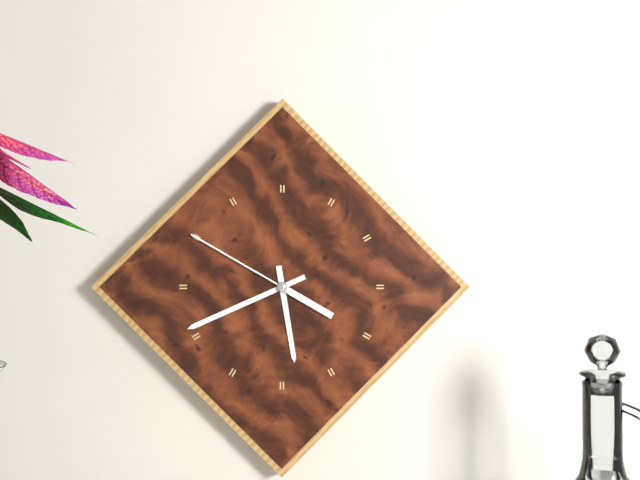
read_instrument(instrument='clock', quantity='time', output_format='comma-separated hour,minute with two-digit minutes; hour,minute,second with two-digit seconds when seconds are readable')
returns 5,41,50
